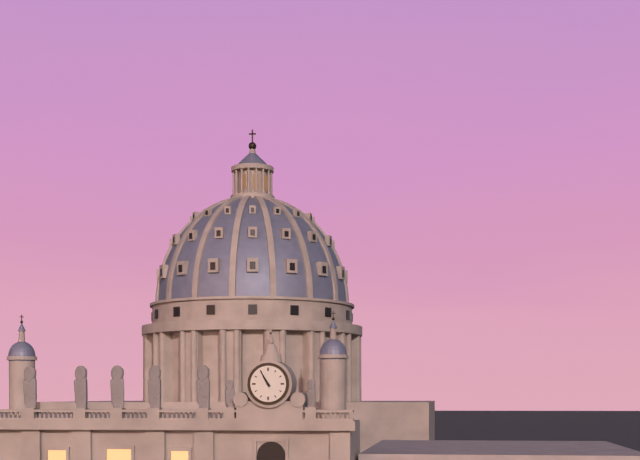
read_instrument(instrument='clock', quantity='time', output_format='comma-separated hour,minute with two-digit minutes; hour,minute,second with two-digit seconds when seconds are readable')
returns 10,55
